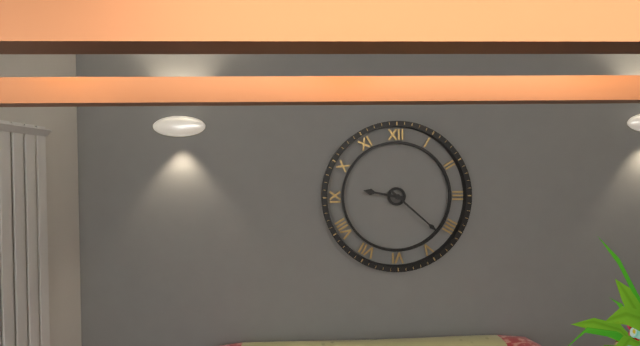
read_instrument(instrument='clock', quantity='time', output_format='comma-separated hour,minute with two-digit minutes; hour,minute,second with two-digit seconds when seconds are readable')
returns 9,22
